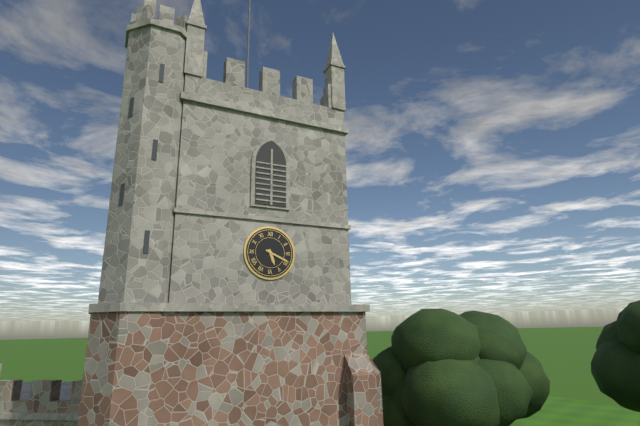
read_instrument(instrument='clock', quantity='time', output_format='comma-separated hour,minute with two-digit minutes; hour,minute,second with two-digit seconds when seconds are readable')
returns 5,19
